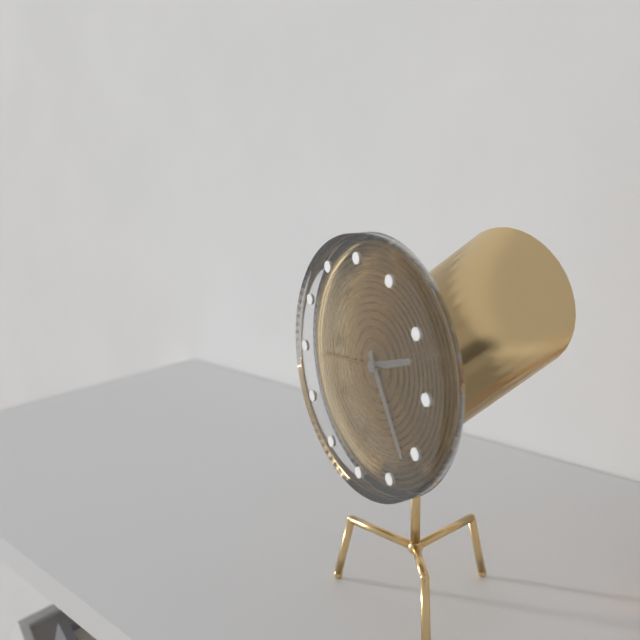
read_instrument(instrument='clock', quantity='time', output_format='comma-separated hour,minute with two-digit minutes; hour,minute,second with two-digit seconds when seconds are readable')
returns 2,25,44
